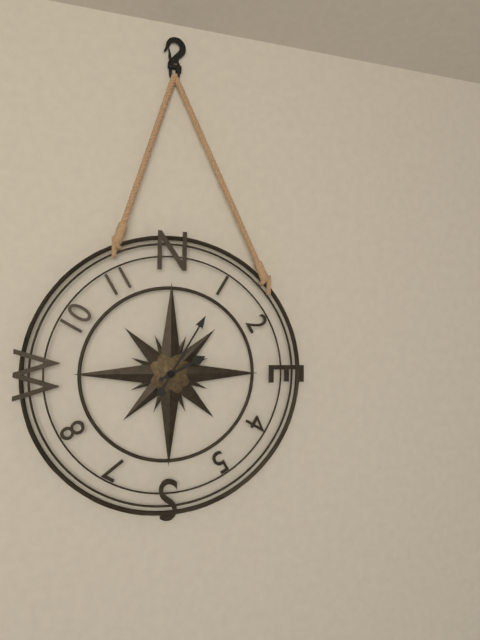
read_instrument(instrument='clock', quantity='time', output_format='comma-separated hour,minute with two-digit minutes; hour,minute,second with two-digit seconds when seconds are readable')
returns 2,05
